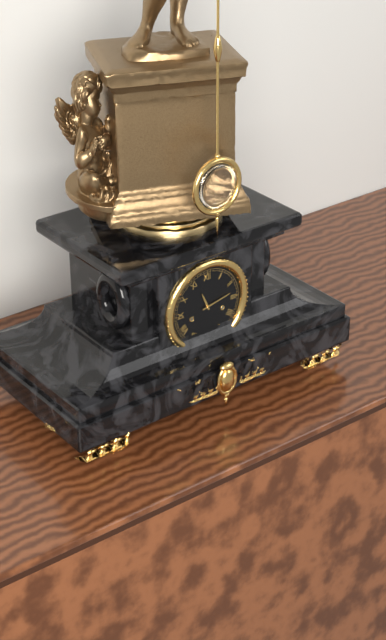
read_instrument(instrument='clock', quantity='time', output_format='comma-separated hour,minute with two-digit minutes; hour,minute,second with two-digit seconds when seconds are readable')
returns 11,13
